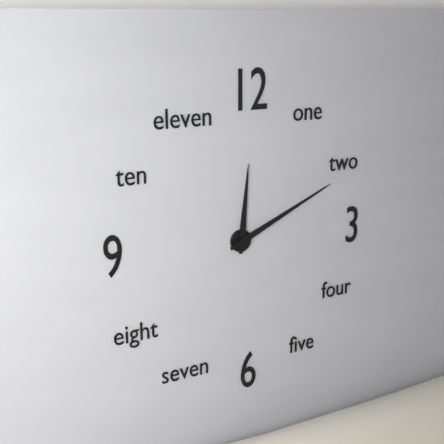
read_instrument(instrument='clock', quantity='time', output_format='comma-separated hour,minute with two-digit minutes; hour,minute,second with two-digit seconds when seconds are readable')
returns 12,11
